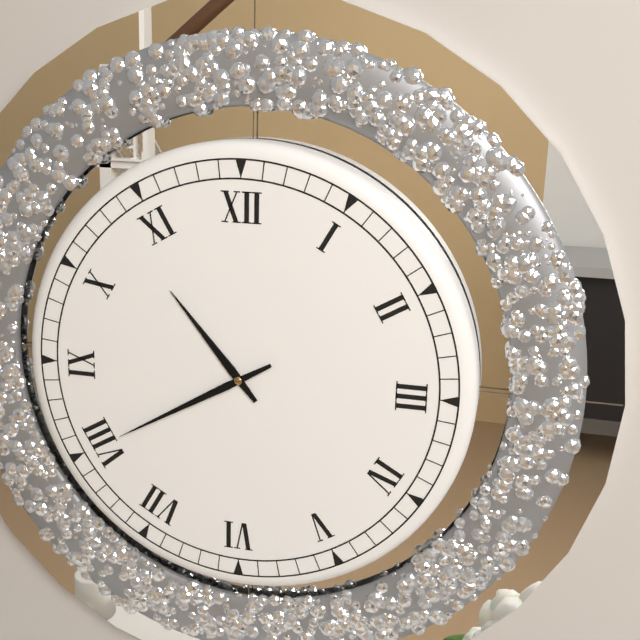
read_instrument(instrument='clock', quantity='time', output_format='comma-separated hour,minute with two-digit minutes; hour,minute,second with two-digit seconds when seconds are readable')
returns 10,40
